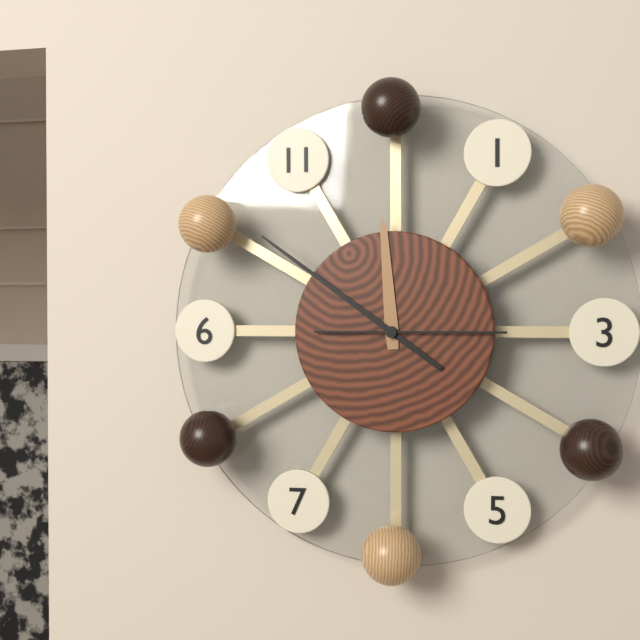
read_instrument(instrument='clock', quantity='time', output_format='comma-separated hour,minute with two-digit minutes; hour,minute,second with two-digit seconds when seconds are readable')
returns 11,51,15
